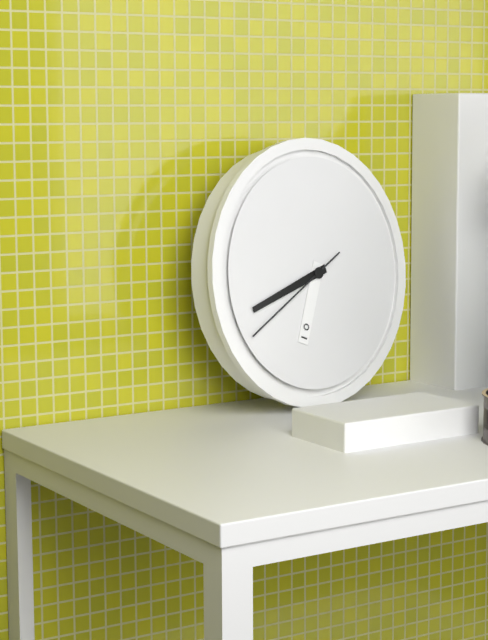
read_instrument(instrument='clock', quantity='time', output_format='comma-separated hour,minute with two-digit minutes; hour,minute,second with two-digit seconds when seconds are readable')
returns 6,42,40
